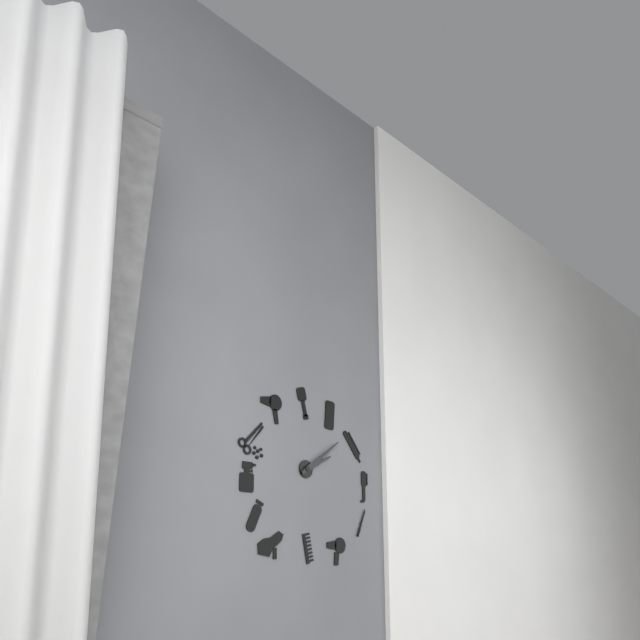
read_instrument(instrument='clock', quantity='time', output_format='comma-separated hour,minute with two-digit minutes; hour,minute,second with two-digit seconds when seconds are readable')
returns 2,09
